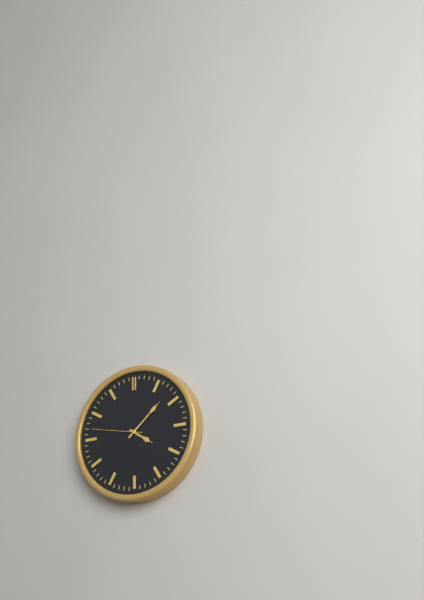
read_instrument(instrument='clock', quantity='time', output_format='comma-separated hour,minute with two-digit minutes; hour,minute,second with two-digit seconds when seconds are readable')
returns 4,08,47
